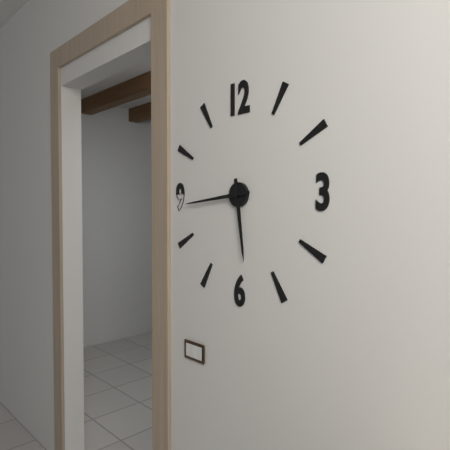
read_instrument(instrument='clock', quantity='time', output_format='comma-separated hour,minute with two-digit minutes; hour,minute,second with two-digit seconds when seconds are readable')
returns 5,44
